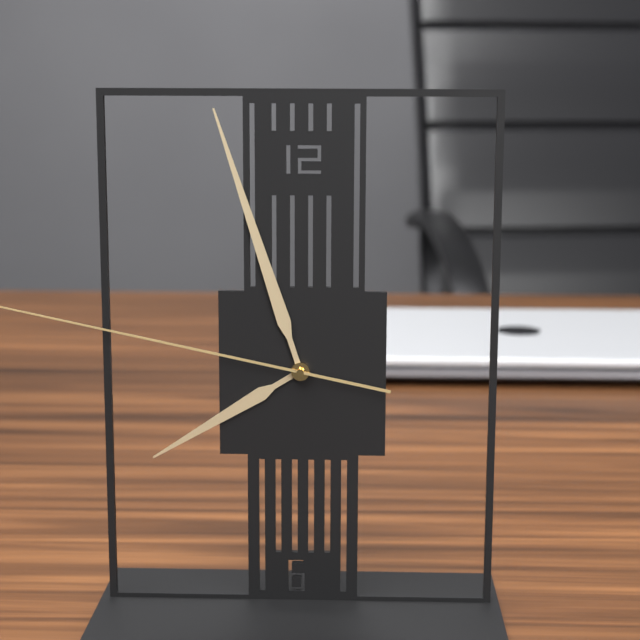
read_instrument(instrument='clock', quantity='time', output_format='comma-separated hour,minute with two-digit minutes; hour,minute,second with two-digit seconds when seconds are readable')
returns 7,57
